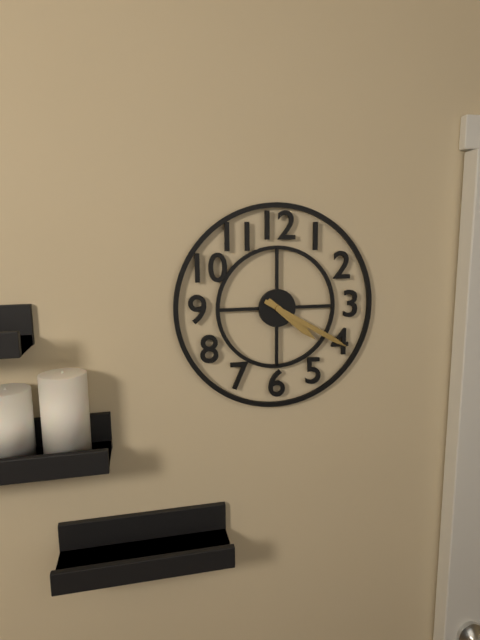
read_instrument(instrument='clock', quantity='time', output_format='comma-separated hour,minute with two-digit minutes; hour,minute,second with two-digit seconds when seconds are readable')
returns 4,20
